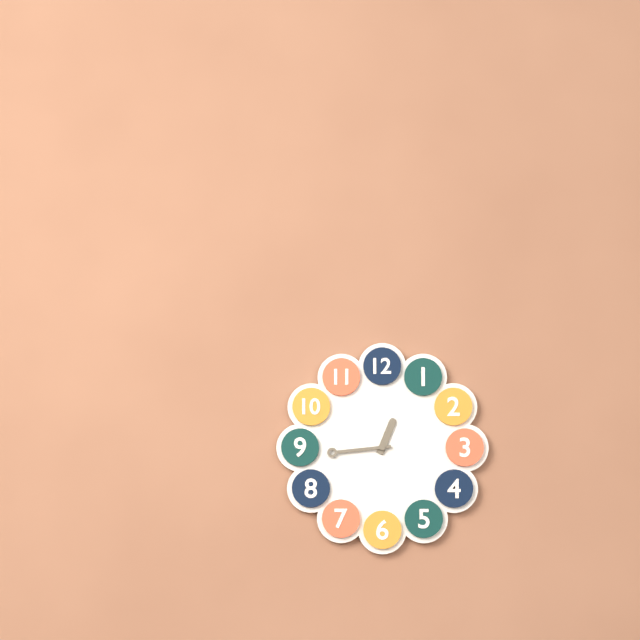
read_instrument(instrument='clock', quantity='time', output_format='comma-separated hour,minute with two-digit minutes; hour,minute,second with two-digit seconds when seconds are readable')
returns 12,44
